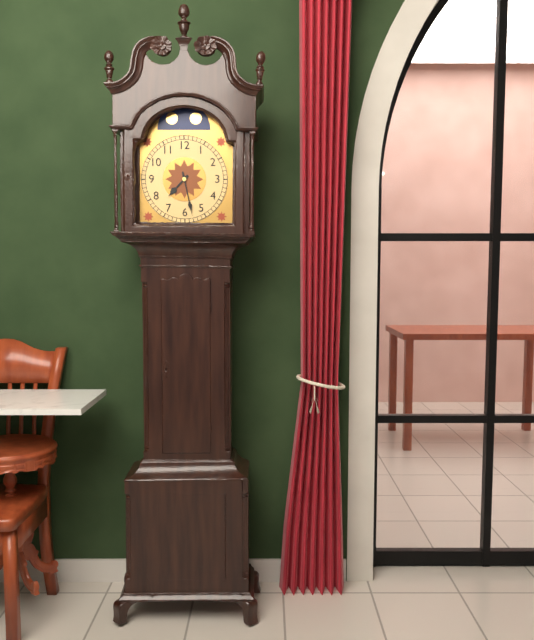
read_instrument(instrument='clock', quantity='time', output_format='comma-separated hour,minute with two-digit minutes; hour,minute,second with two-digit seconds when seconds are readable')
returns 7,28
